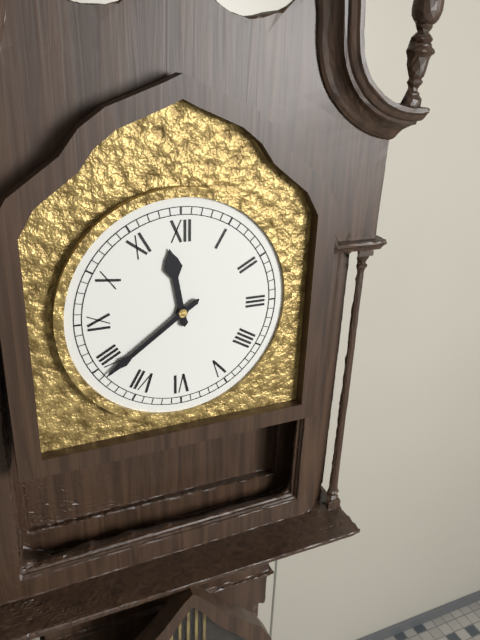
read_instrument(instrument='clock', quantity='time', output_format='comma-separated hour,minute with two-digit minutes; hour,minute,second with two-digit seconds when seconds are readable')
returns 11,39
